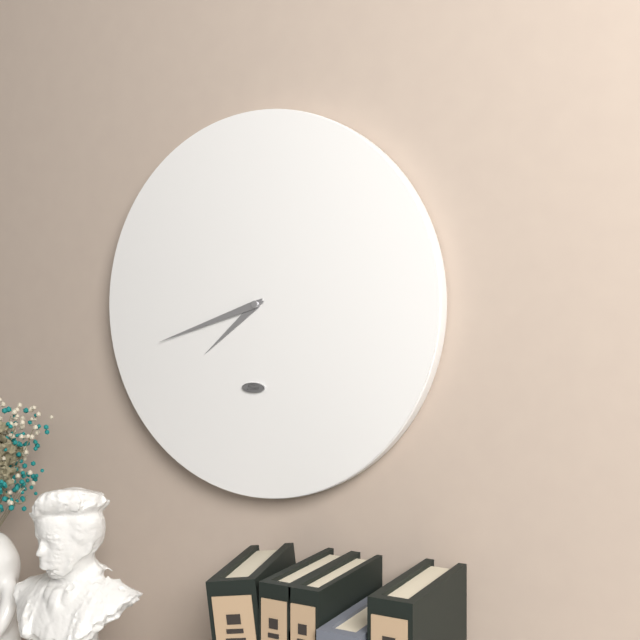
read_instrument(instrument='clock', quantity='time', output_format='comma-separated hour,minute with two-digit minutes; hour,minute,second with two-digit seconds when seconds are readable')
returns 7,42
